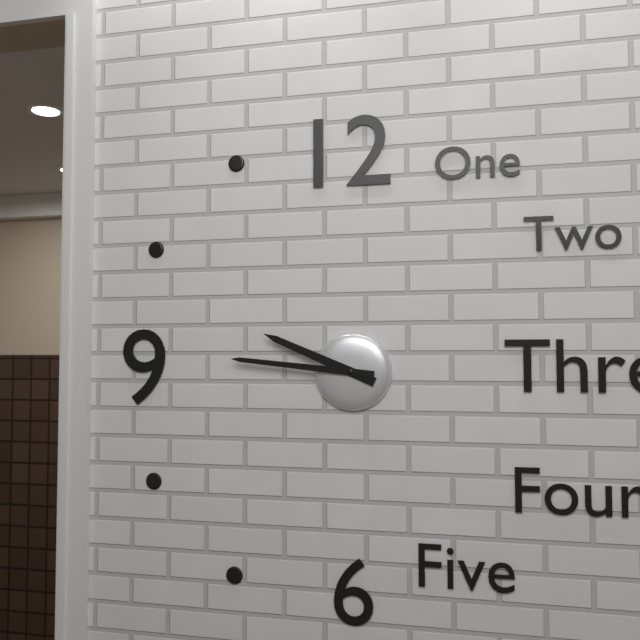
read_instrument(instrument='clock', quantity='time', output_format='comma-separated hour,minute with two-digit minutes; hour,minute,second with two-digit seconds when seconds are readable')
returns 9,46
